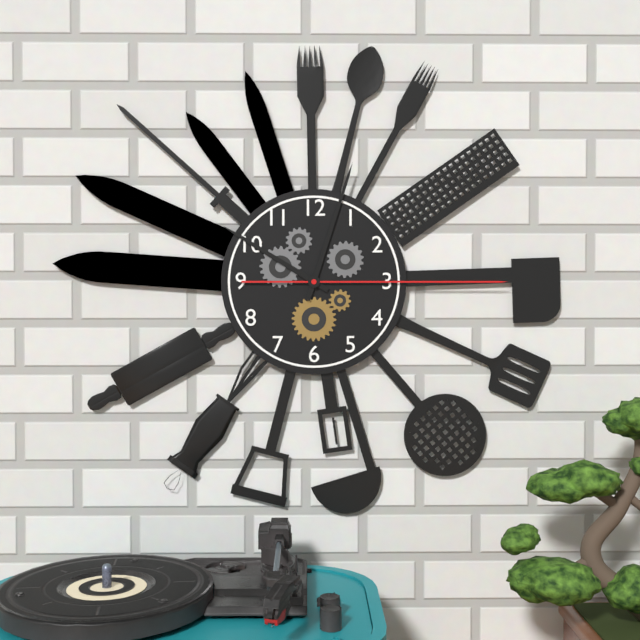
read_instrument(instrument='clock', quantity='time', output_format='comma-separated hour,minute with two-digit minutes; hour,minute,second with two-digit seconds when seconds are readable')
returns 10,03,15
